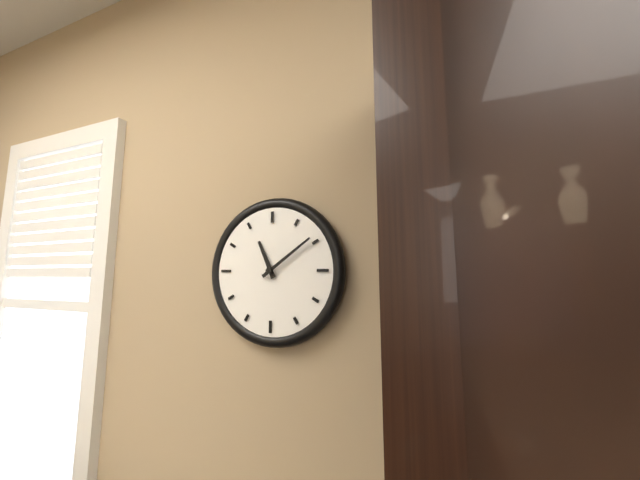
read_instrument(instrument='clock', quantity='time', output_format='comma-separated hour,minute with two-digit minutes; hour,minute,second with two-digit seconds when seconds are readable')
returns 11,09
